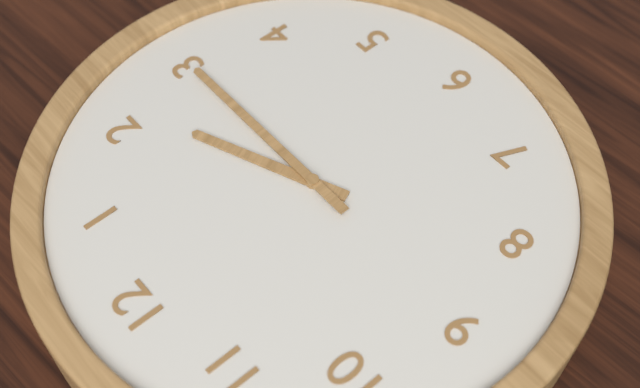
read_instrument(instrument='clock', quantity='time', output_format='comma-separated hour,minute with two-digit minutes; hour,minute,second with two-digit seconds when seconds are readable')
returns 2,15
